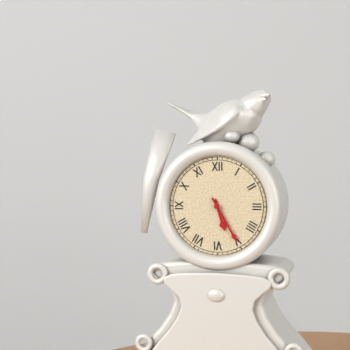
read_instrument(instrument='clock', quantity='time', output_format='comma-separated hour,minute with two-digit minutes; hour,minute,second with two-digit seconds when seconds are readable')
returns 5,25
